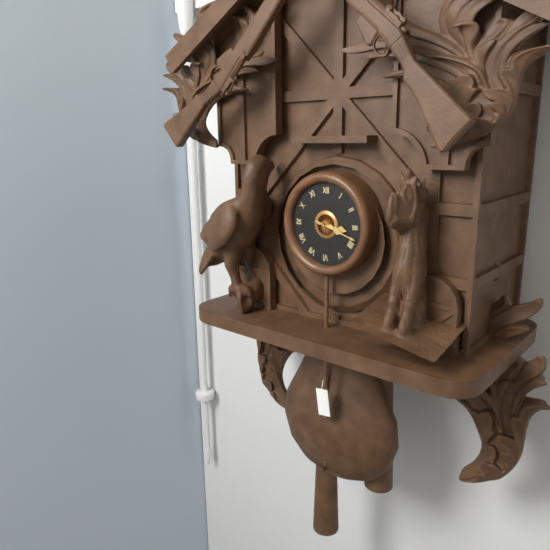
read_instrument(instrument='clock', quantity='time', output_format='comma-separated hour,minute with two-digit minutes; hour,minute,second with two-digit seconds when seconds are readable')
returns 3,18
